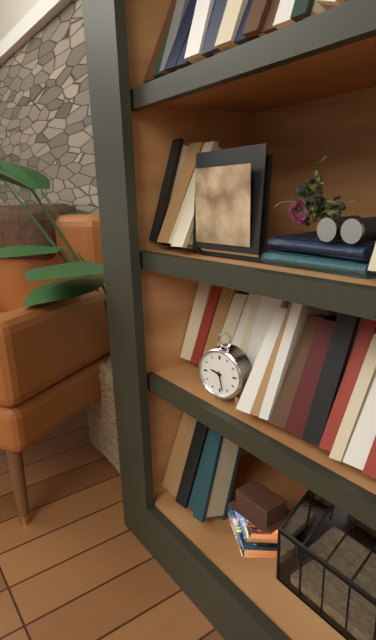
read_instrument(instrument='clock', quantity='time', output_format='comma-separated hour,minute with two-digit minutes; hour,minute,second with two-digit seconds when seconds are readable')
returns 9,28
